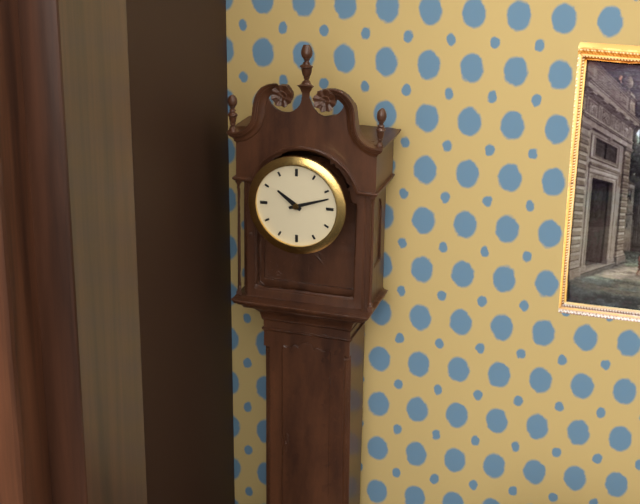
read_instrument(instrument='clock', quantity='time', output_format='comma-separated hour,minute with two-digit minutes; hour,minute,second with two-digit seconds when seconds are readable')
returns 10,12
